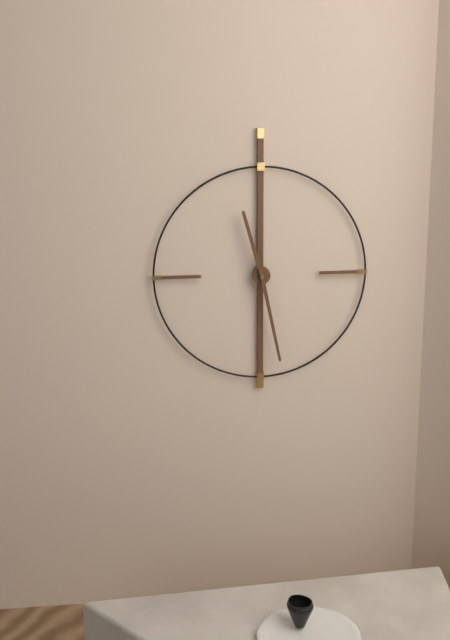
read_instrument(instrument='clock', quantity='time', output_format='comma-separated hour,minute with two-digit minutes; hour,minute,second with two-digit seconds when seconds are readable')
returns 11,28
